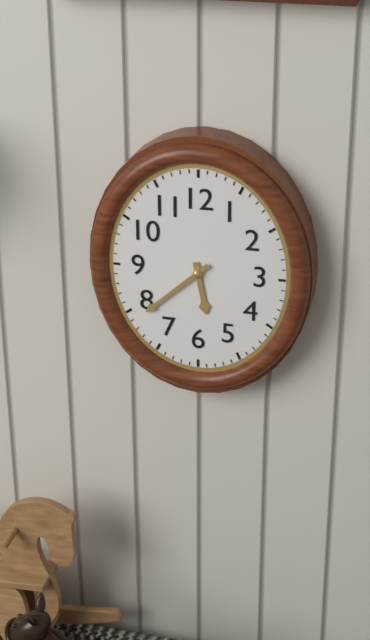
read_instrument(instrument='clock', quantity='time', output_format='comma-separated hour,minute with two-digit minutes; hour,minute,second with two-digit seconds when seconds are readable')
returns 5,38
